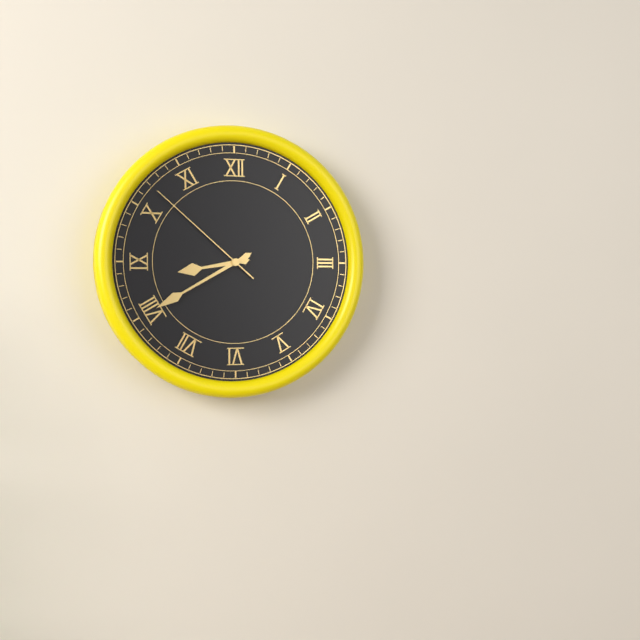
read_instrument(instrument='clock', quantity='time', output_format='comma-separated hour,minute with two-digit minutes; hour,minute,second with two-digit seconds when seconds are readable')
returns 8,40,52
